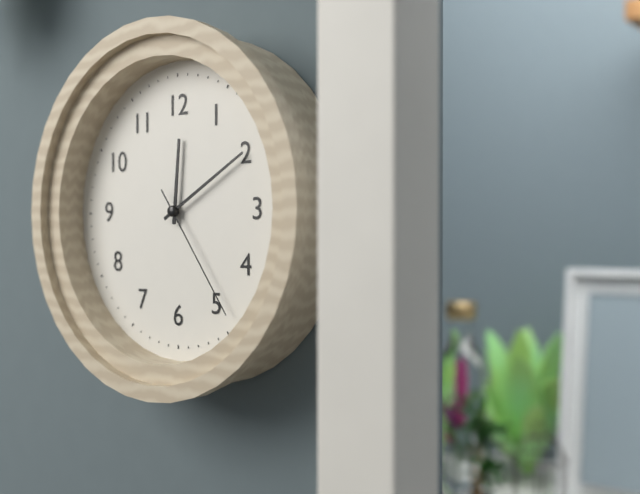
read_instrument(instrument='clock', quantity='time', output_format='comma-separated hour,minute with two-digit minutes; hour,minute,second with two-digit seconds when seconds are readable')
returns 12,10,24
